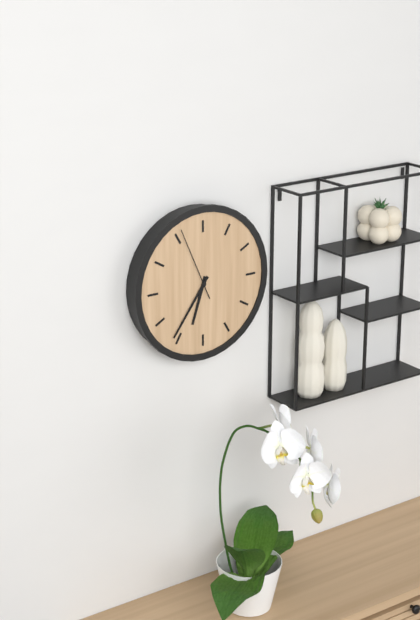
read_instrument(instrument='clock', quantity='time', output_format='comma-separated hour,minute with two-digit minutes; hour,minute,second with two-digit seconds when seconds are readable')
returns 6,36,56
